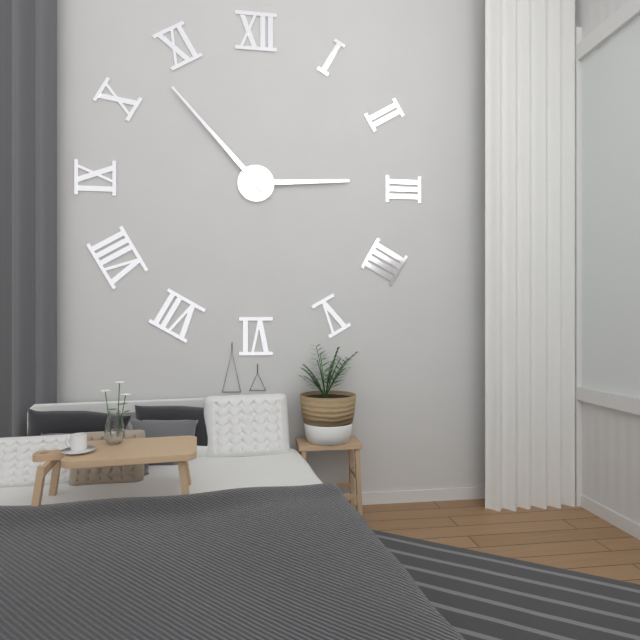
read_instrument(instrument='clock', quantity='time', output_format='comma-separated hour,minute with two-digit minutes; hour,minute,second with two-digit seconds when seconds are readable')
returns 2,53
